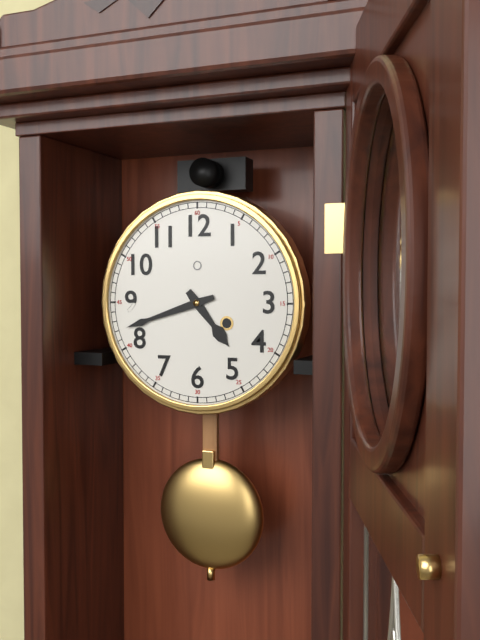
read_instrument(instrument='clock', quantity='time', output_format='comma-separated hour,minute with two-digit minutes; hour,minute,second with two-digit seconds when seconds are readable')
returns 4,42
